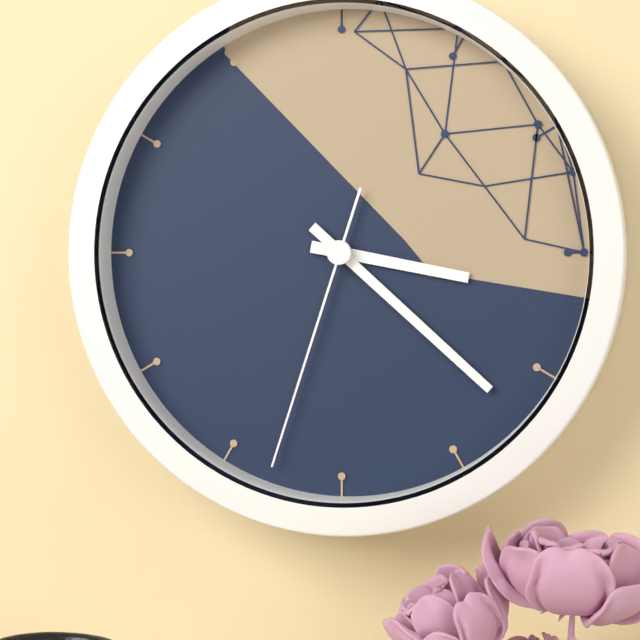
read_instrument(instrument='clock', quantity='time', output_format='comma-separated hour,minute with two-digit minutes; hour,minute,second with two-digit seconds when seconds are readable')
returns 3,22,33
